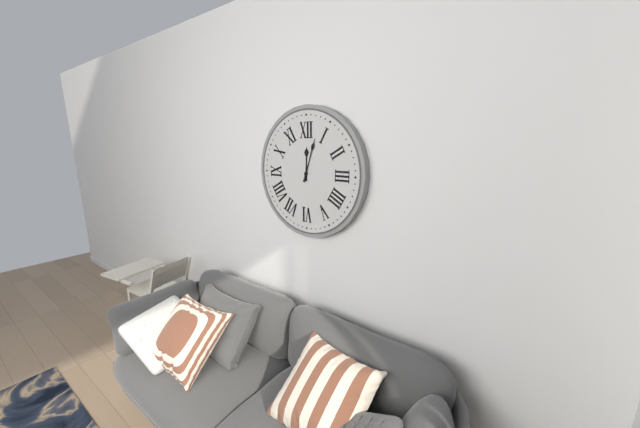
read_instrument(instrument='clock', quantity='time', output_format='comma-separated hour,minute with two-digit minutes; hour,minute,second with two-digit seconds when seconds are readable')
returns 12,03
